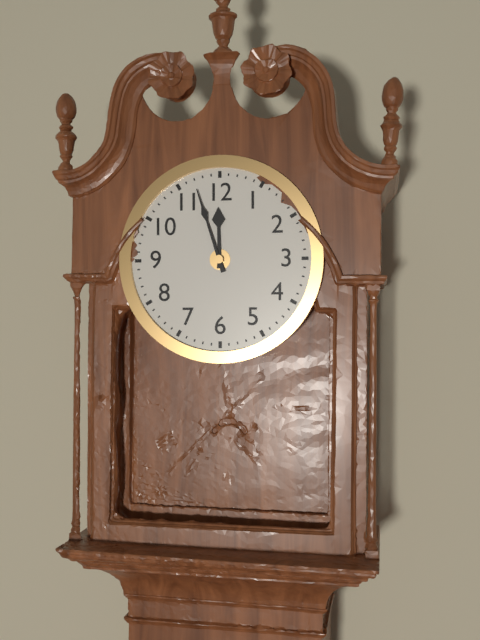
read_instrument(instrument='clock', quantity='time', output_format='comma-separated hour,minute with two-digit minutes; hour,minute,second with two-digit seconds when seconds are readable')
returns 11,57
